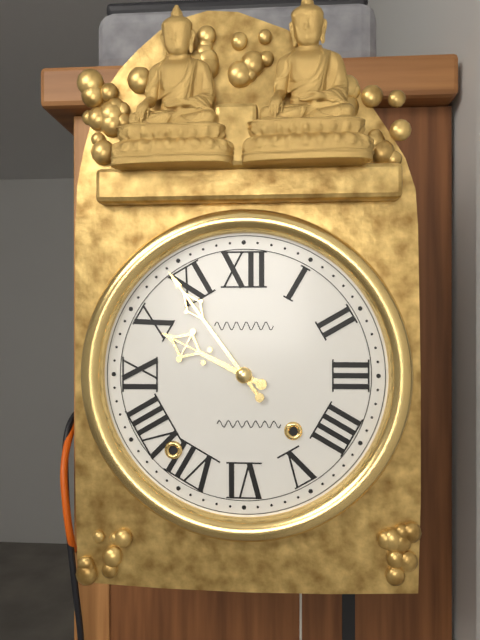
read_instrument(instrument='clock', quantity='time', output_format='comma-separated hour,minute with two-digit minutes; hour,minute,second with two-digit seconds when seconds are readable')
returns 9,54
